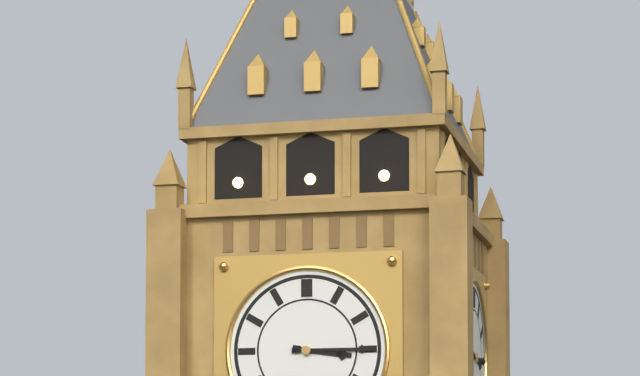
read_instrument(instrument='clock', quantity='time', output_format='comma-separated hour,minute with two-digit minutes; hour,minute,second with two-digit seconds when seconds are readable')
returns 3,15
